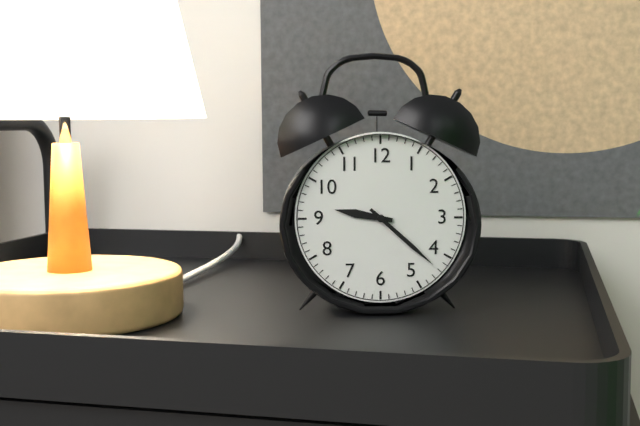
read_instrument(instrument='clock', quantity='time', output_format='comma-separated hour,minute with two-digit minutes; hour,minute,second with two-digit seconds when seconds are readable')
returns 9,22
